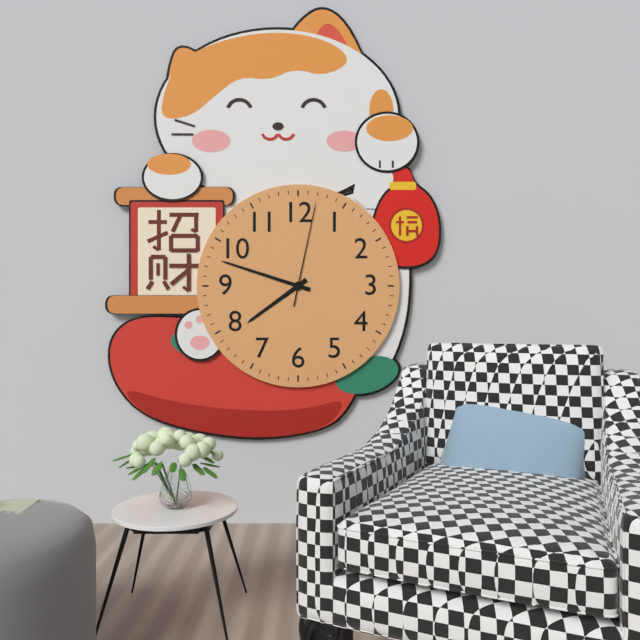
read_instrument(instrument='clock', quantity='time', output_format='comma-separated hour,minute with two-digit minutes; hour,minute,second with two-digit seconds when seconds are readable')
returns 7,48,02
